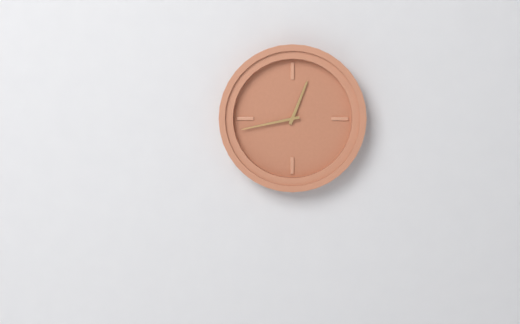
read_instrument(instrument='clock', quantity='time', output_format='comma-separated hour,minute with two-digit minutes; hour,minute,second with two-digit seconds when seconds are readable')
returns 12,43
